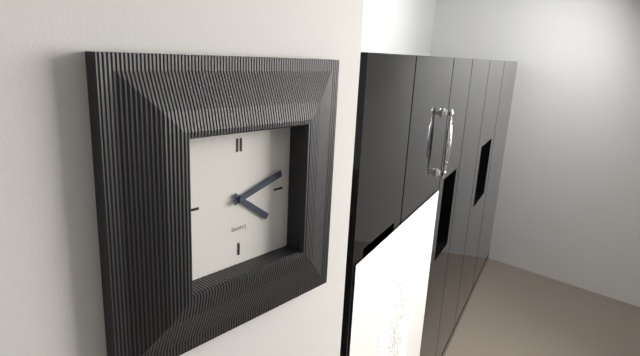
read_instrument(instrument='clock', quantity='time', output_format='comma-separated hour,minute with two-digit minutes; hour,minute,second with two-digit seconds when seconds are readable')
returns 4,12
